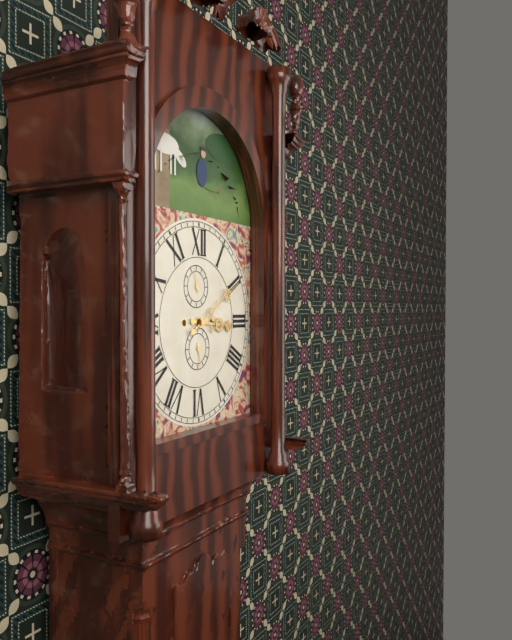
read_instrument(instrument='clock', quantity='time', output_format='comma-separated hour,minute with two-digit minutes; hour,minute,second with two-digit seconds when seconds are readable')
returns 3,10
